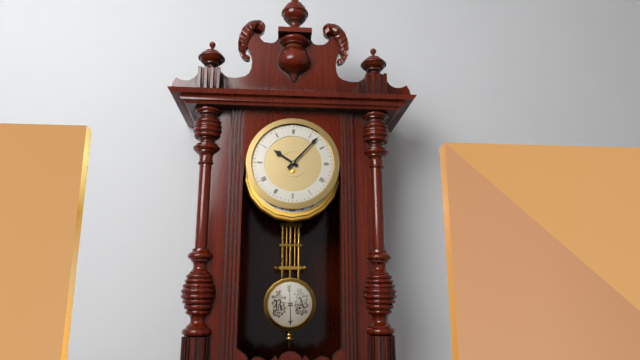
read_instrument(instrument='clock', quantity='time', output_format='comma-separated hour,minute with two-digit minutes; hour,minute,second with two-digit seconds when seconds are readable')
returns 10,07
